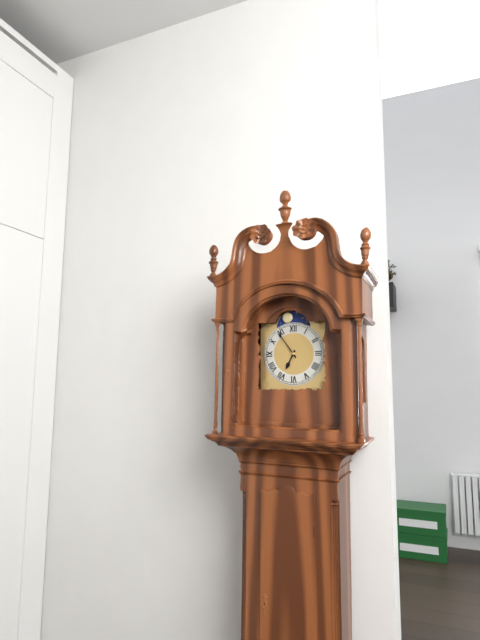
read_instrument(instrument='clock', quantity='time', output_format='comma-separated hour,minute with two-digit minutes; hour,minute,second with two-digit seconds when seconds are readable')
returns 6,54
